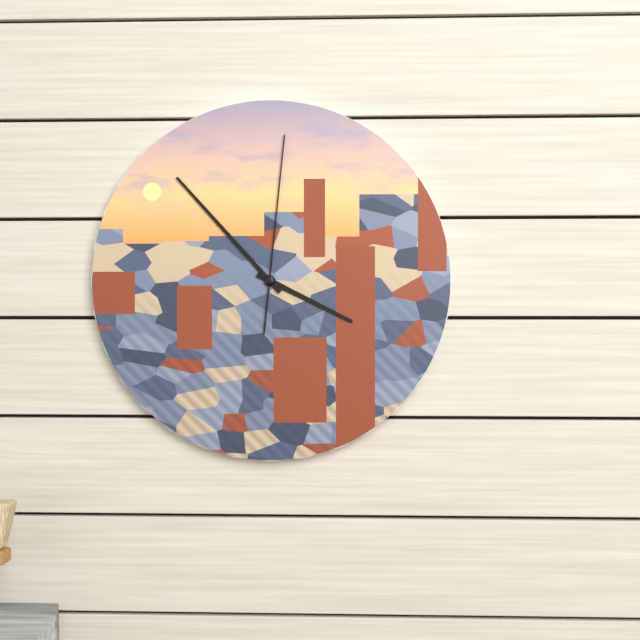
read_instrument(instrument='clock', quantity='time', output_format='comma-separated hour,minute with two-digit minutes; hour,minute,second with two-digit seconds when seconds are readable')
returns 3,53,01
